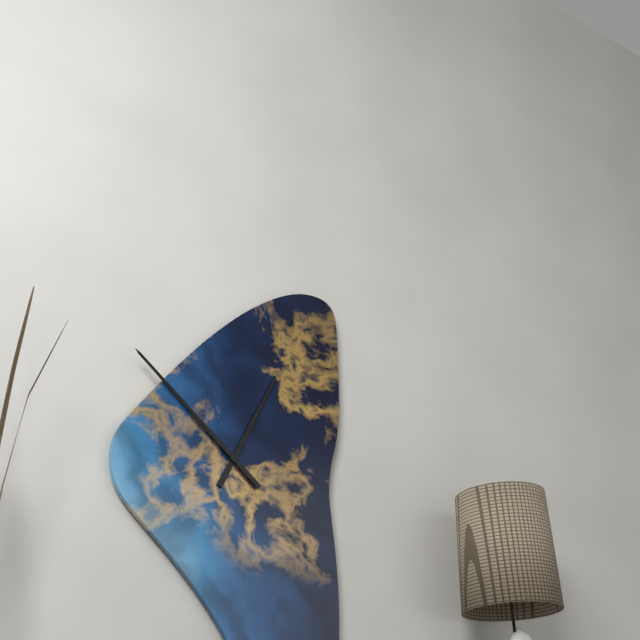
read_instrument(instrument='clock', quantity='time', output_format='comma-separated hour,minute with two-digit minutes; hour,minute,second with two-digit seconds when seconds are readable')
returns 12,52
